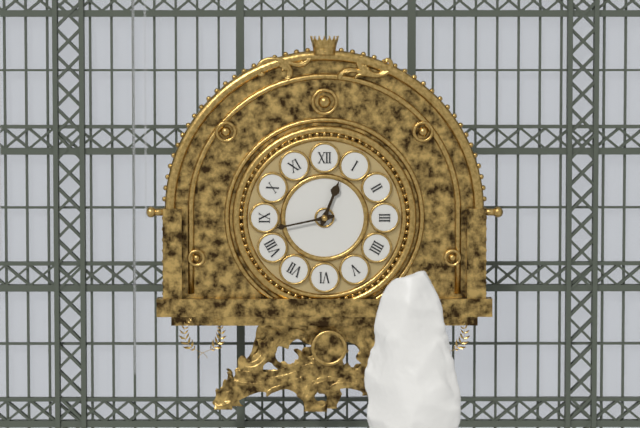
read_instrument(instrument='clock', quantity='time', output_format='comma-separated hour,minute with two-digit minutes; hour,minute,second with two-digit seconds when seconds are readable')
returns 12,43
